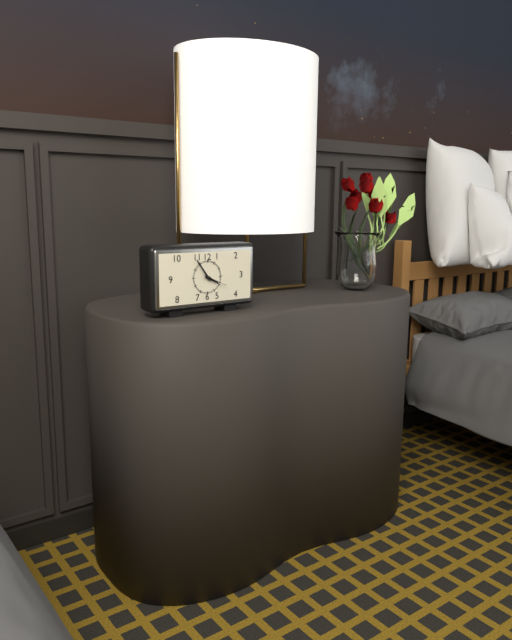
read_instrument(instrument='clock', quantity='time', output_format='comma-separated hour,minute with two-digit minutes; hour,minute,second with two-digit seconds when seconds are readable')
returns 3,54
